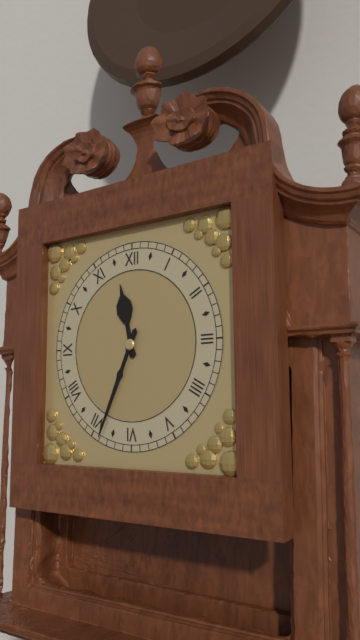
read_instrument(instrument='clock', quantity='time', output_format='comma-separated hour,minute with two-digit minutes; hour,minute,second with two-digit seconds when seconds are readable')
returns 11,34
